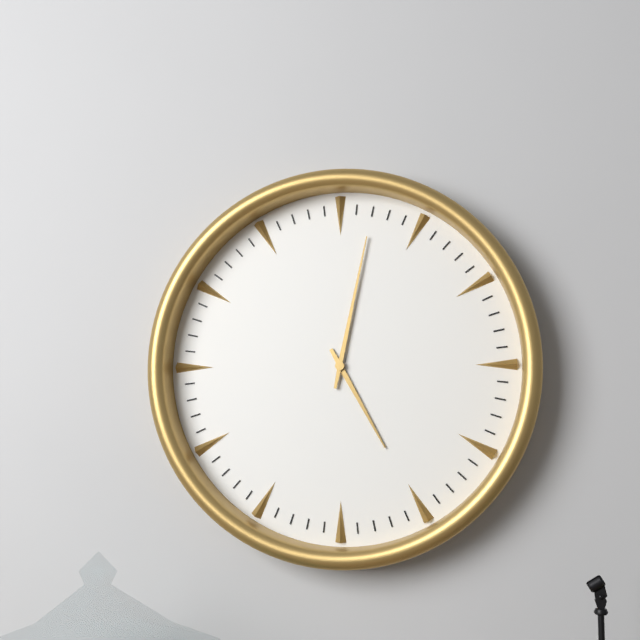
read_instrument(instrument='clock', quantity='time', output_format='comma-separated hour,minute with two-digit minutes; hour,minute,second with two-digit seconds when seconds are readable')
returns 5,02
